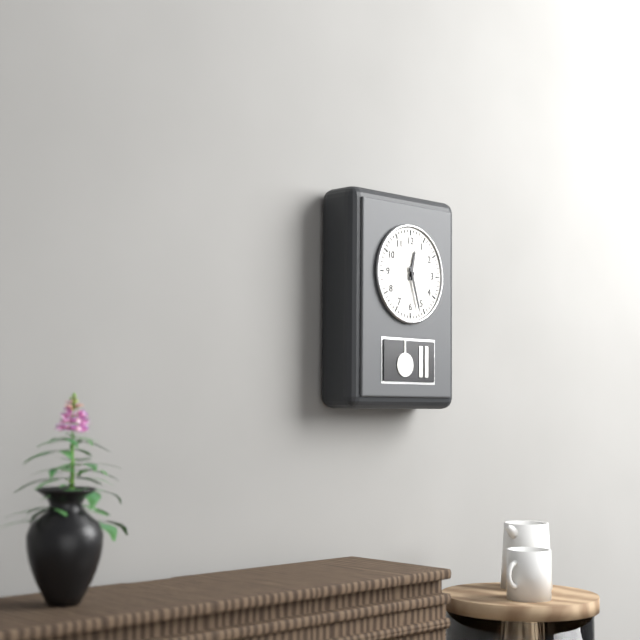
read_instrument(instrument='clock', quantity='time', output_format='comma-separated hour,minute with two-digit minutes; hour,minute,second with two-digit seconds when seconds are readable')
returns 12,27
